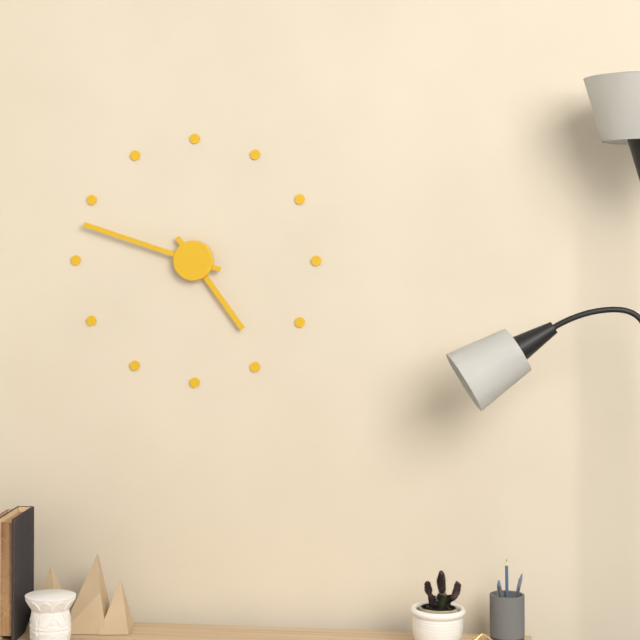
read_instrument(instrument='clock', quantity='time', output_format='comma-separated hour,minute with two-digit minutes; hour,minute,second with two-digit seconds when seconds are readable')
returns 4,48
